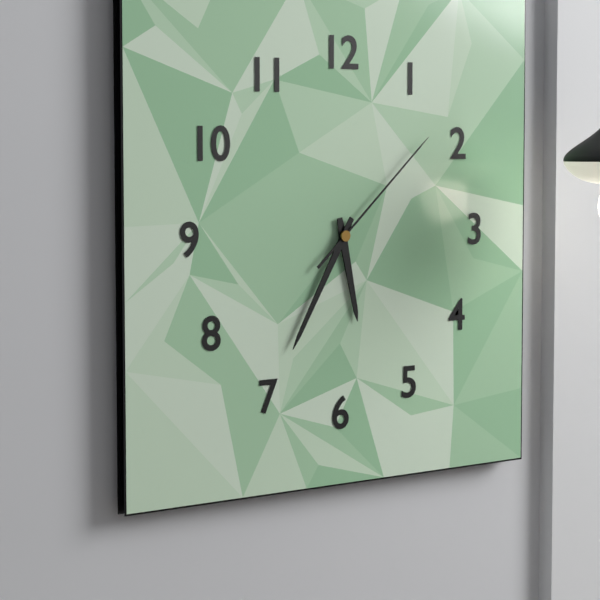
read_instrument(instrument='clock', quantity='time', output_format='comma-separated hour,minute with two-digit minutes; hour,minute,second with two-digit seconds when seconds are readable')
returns 5,35,08
